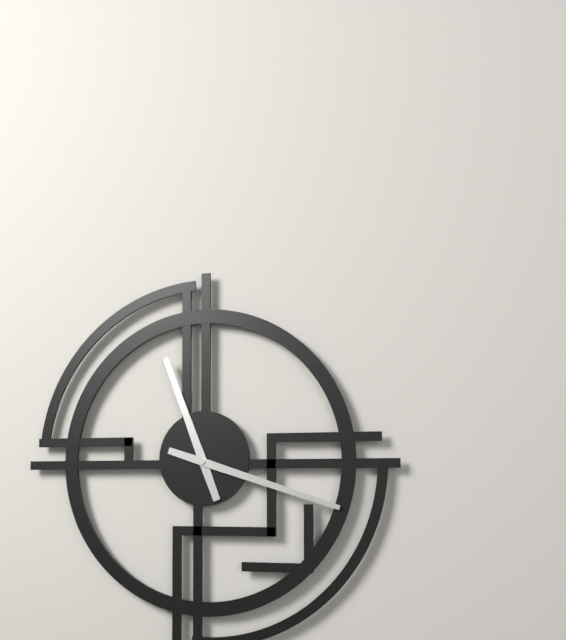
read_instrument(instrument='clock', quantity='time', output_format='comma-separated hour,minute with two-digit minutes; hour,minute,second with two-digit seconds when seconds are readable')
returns 11,18
